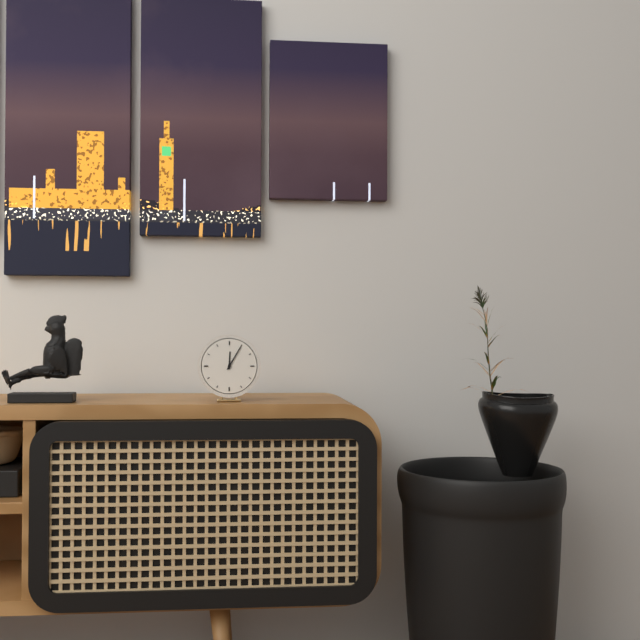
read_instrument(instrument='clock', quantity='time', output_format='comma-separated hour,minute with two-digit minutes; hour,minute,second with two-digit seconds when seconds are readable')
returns 12,05
